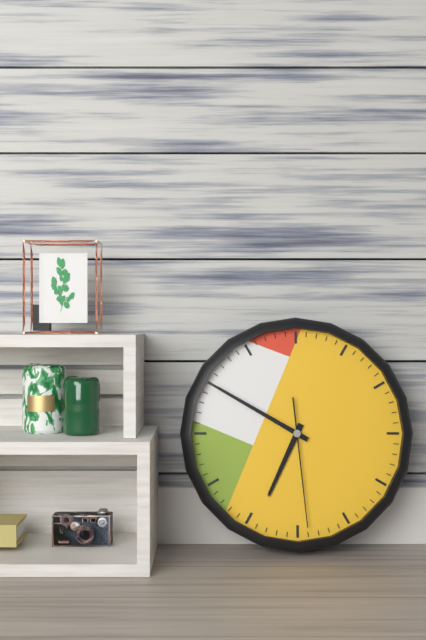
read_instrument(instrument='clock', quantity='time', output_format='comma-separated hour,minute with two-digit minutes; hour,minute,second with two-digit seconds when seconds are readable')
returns 6,50,29
